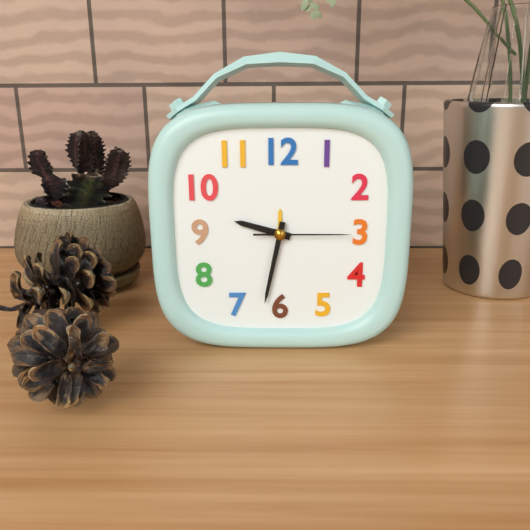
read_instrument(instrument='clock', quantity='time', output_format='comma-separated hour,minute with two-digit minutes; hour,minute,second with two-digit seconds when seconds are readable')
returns 9,32,15
